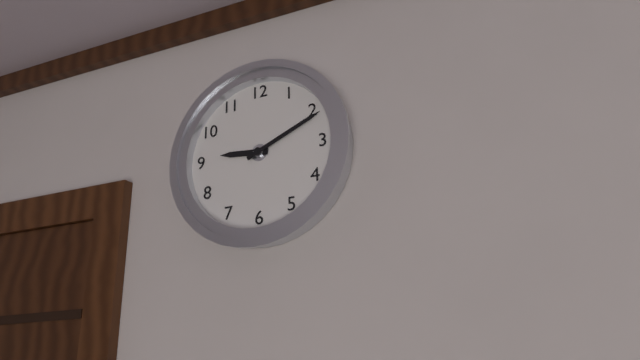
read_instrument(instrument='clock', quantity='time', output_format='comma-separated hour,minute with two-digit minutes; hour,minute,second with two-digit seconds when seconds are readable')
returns 9,11
